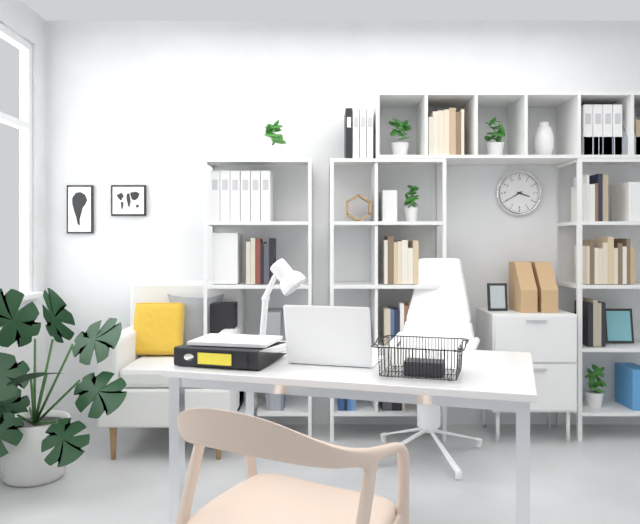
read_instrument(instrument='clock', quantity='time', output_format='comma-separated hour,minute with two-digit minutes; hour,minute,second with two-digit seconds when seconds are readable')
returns 3,40
